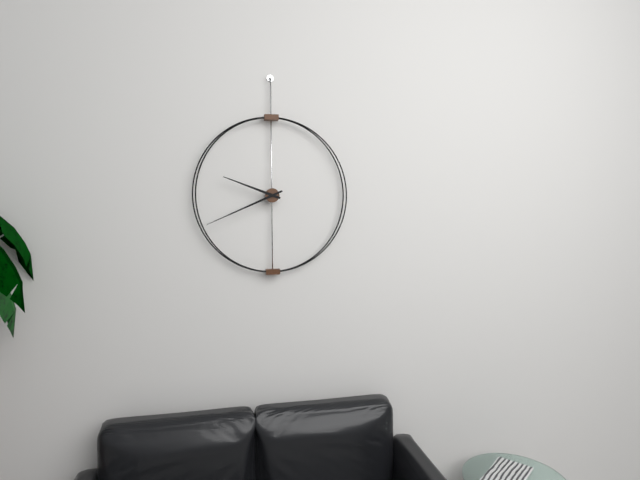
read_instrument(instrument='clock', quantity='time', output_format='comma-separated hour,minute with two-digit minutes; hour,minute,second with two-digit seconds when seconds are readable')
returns 9,41
